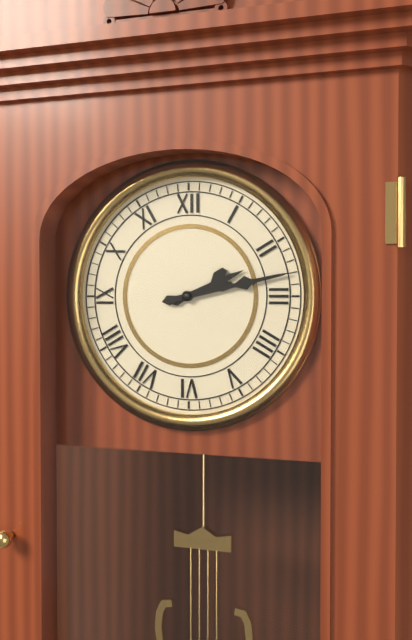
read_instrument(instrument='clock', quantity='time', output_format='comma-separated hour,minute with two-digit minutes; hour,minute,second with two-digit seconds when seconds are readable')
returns 2,13
